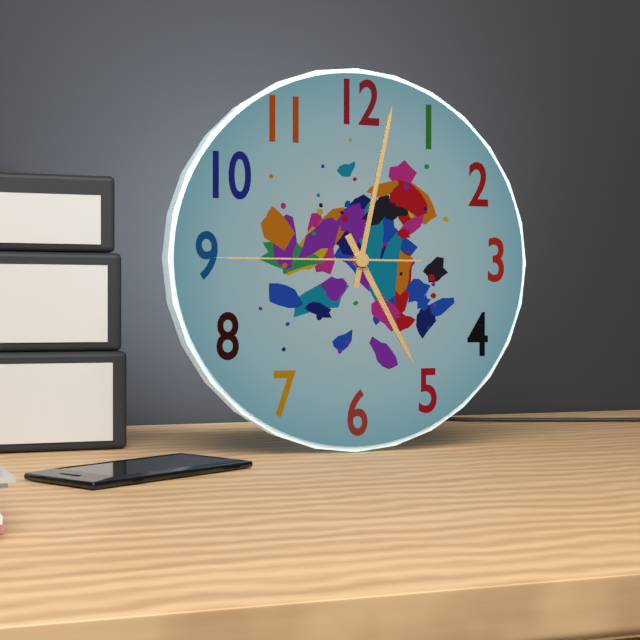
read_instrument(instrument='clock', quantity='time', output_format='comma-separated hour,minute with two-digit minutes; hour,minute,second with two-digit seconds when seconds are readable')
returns 5,02,45
